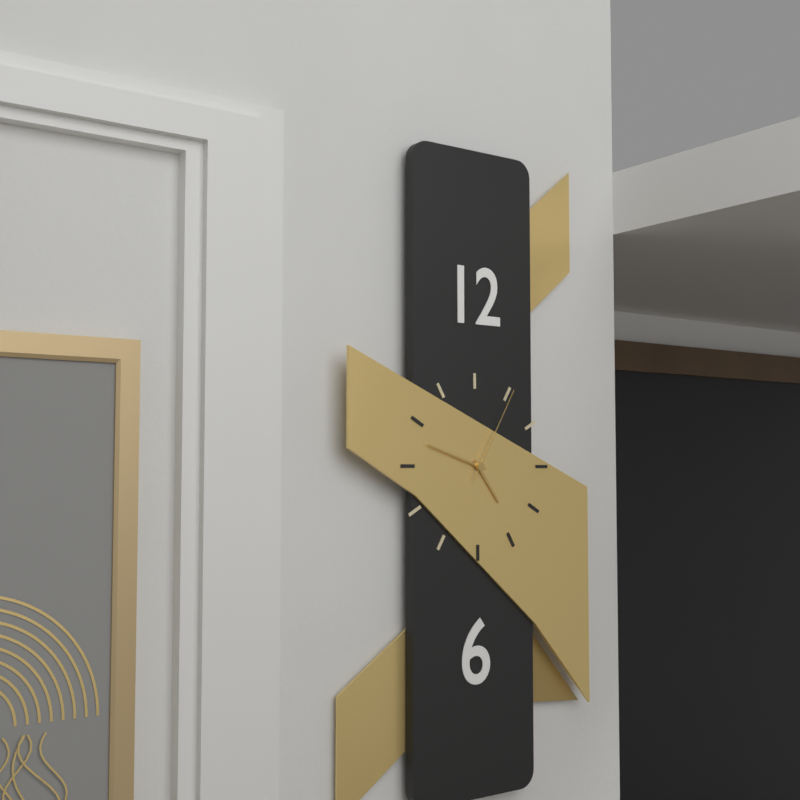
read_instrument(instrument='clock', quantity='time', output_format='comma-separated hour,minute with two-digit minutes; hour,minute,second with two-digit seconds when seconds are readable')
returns 4,48,05
